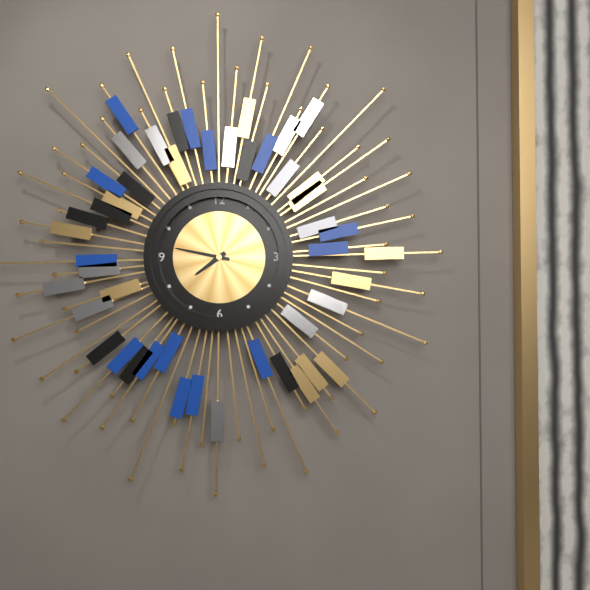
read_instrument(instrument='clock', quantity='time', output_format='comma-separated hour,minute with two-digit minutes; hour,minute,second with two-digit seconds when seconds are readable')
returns 7,47
